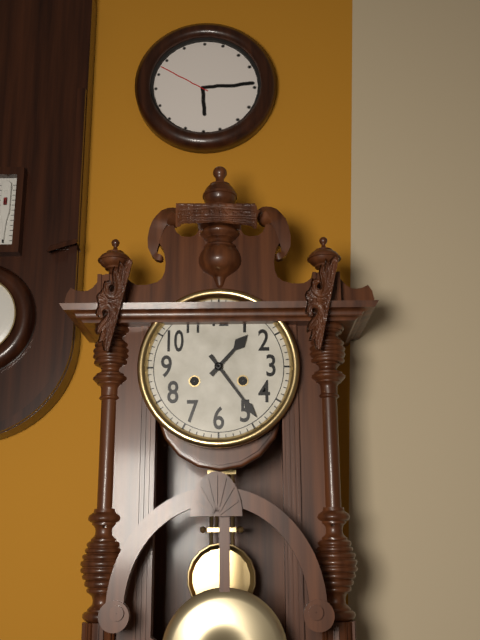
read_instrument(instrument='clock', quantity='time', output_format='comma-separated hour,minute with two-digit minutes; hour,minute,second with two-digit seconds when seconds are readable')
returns 1,24
